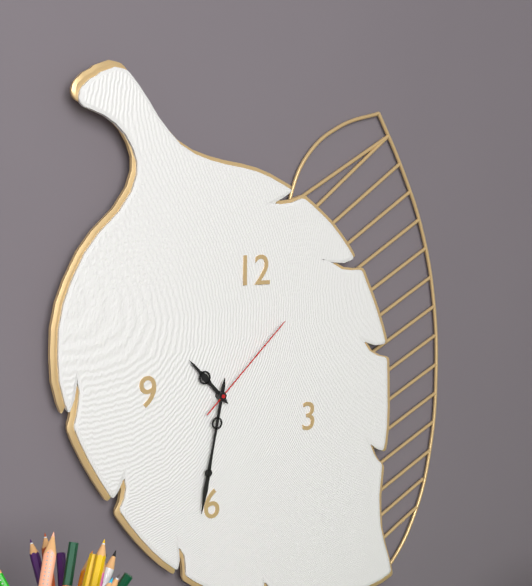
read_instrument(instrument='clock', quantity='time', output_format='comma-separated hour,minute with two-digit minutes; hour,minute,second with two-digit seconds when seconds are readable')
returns 10,32,08
